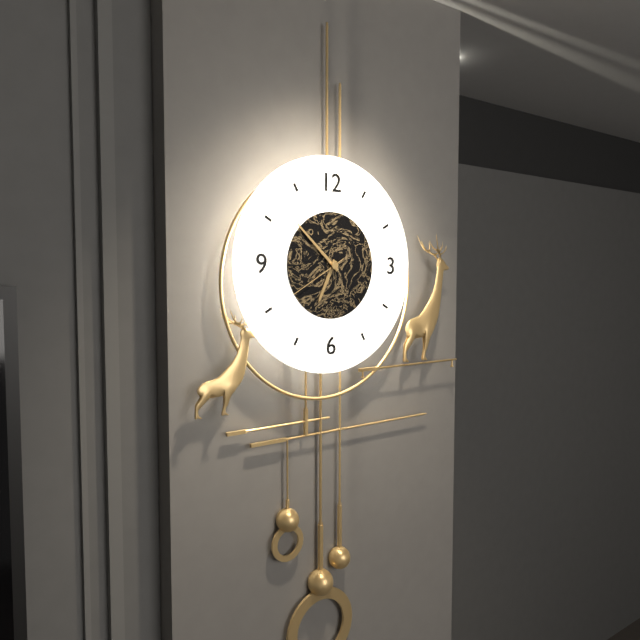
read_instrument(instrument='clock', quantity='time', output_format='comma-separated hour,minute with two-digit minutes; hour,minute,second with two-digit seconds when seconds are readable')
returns 6,52,40
